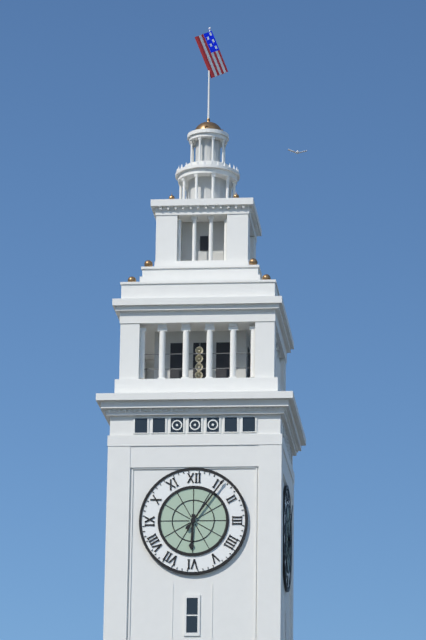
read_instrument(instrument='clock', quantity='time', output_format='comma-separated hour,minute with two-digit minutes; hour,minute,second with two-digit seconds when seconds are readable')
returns 6,06
